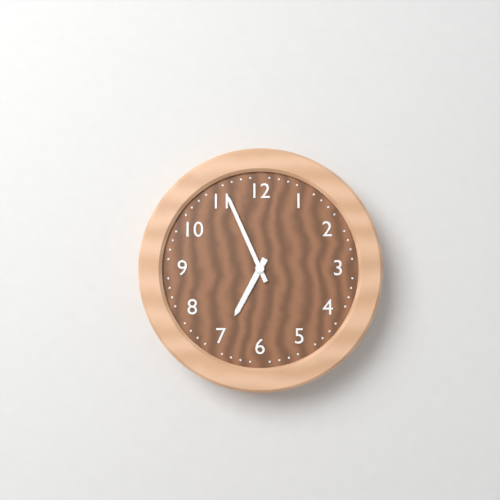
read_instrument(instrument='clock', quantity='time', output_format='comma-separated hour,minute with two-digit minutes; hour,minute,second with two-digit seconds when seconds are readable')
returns 6,56
